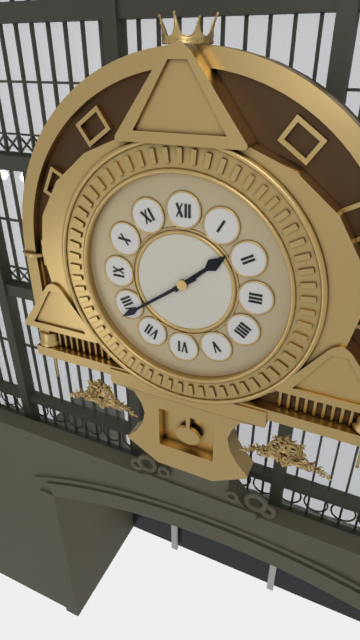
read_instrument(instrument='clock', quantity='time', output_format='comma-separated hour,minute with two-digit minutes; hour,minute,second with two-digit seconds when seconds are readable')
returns 1,39
